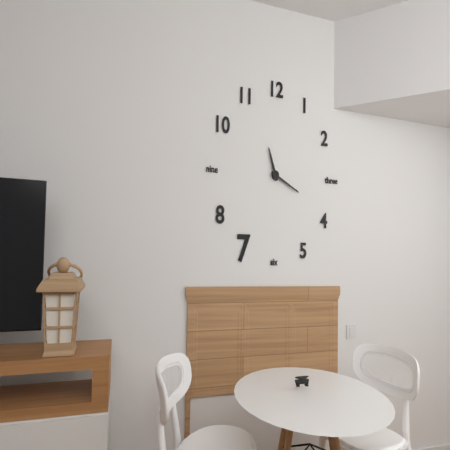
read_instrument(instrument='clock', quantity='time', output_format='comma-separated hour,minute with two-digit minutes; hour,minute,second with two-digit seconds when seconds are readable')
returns 11,19
